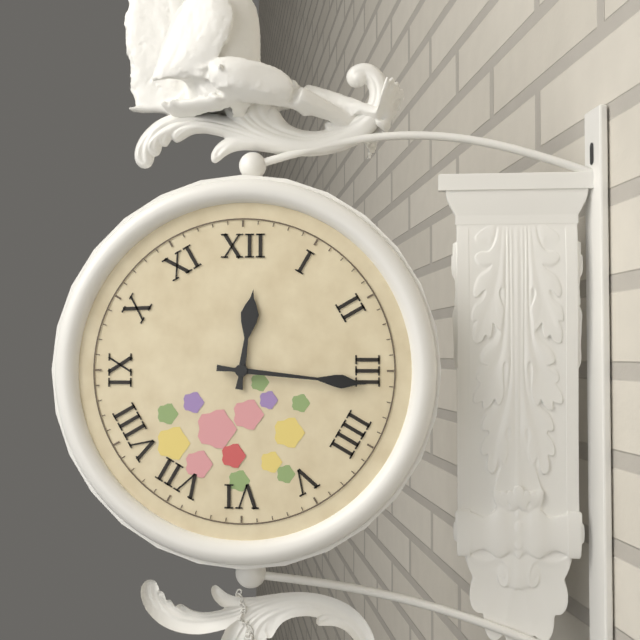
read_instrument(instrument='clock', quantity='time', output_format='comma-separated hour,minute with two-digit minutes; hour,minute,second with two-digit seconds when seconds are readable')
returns 12,16
